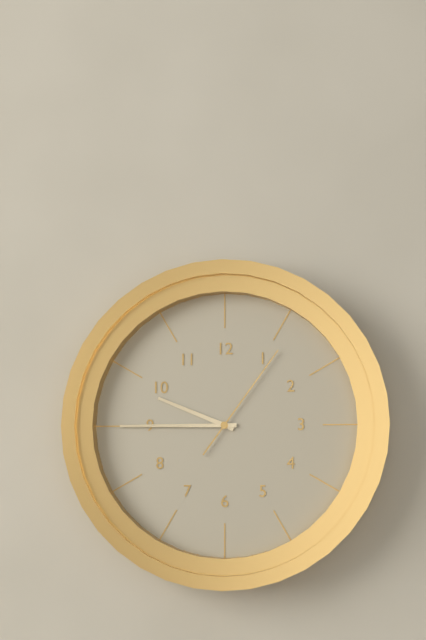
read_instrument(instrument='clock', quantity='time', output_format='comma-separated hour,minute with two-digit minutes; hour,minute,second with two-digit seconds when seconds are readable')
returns 9,45,06
